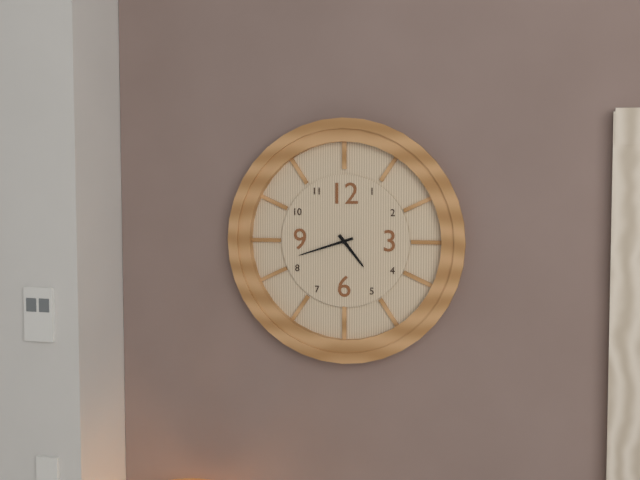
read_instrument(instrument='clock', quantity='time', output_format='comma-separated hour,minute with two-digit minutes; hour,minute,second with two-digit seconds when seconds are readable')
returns 4,42
